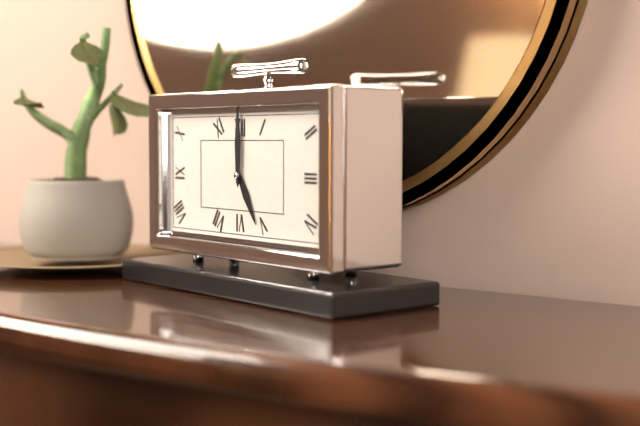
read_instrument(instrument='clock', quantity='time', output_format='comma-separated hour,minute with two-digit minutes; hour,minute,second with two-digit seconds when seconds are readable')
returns 5,00
